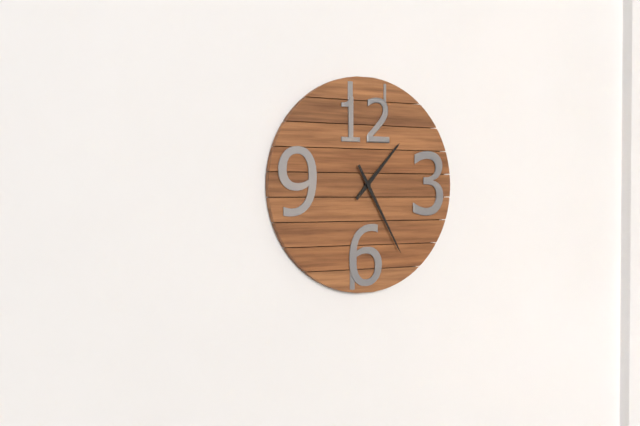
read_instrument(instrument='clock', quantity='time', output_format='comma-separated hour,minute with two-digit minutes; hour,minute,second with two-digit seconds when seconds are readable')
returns 1,25
